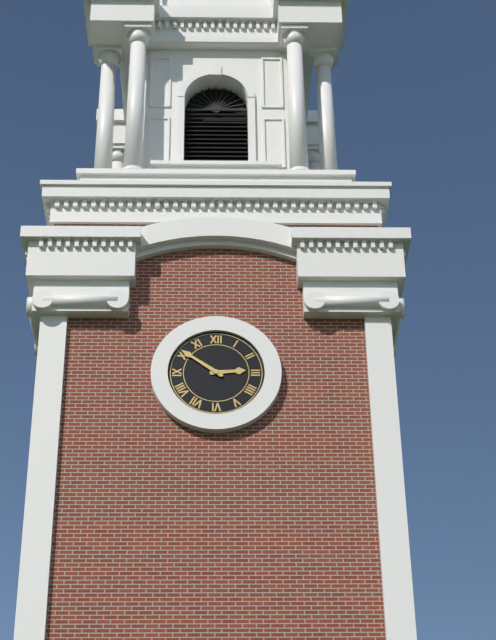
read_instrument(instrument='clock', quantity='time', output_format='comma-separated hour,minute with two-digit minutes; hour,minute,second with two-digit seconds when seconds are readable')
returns 2,51
